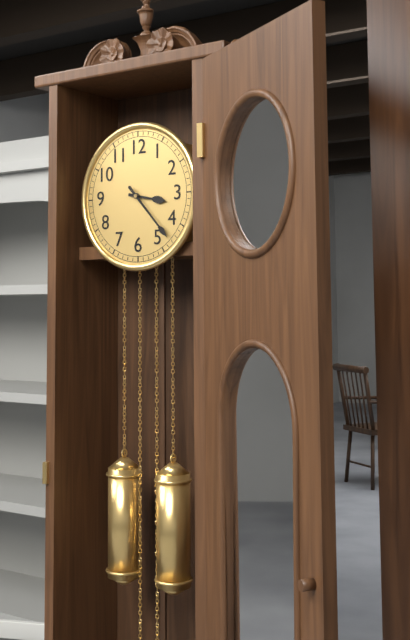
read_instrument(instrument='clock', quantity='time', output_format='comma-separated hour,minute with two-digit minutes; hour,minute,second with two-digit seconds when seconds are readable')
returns 3,23
